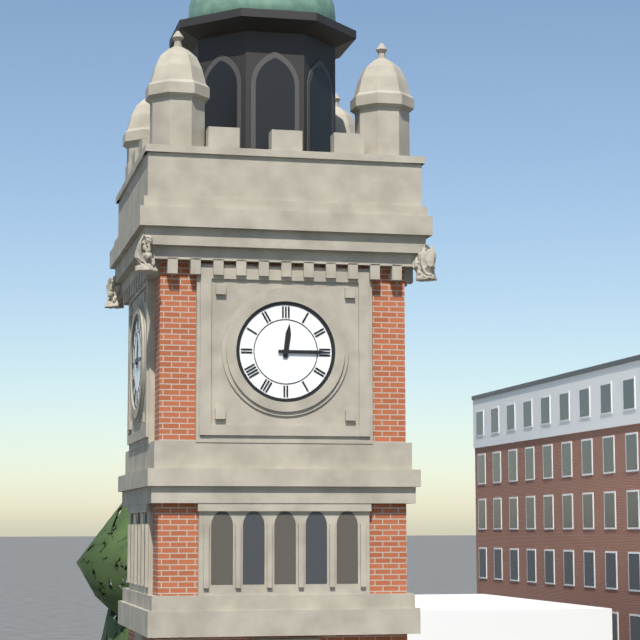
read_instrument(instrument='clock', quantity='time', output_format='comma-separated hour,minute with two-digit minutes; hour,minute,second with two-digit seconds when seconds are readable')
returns 12,15
